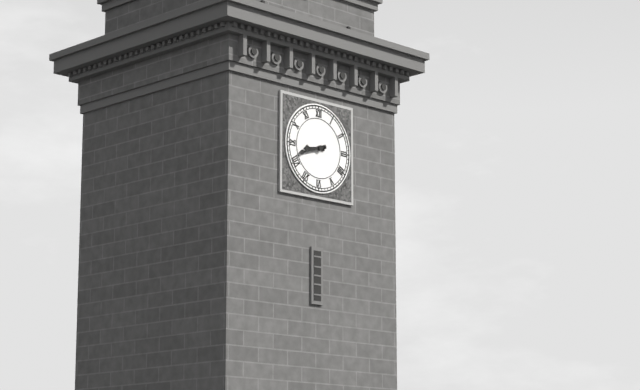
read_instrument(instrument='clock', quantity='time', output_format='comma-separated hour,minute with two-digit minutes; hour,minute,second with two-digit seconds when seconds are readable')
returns 8,42
